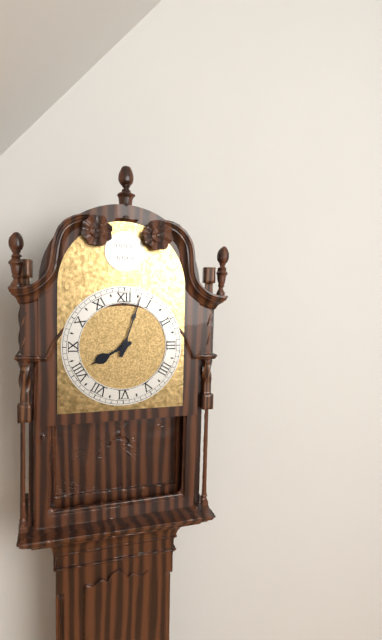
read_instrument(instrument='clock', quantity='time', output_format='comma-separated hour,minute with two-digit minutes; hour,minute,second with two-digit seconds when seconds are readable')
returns 8,03
